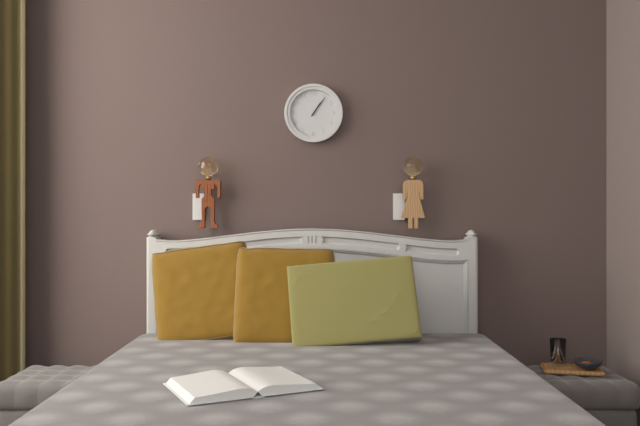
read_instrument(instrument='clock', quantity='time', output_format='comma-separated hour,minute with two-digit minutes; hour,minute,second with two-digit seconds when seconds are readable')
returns 1,06
